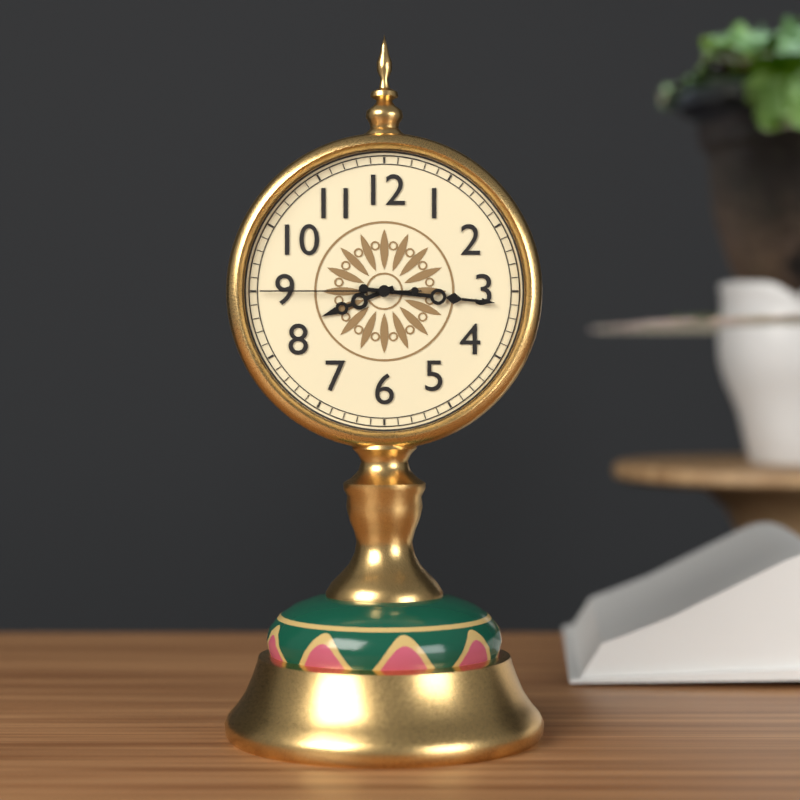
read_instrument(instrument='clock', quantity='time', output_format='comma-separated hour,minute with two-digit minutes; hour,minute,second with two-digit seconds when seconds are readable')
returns 8,16,45
